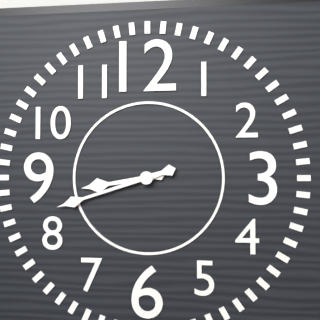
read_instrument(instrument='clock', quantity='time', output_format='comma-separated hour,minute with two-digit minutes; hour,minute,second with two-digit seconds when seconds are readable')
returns 8,42
